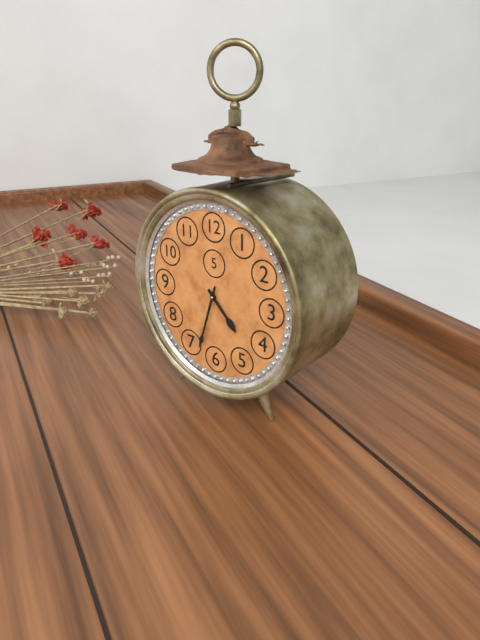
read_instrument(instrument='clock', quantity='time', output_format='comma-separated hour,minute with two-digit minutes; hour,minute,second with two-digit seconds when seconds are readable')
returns 4,33
